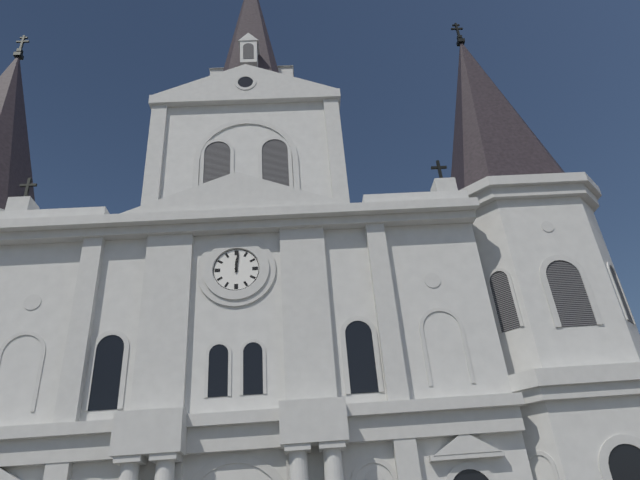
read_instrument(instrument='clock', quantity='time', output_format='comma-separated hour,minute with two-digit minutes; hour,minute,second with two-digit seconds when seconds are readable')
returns 12,01
